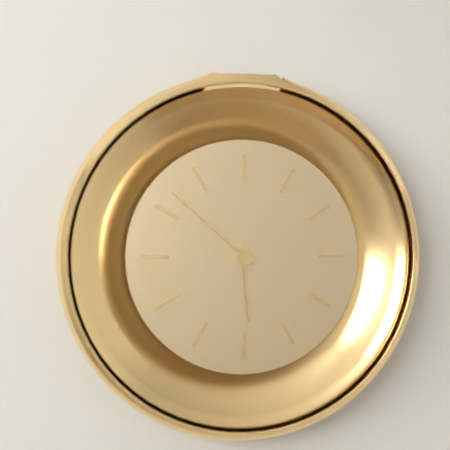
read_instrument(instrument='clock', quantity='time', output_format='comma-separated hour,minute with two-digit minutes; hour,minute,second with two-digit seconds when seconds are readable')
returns 5,52
